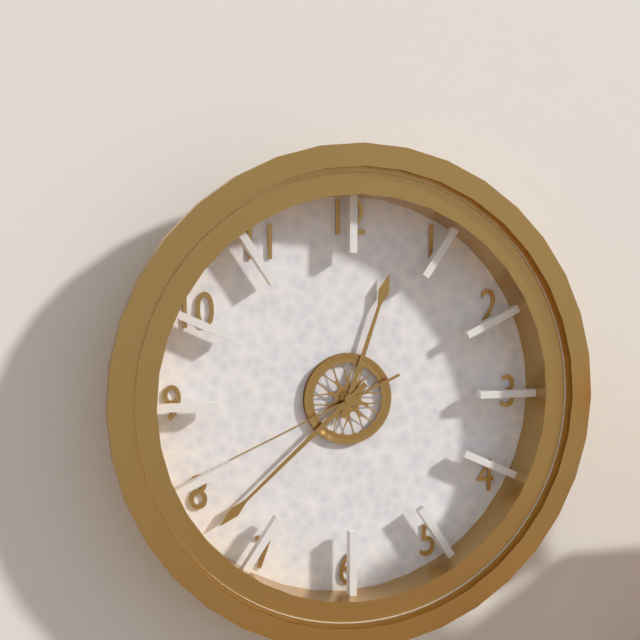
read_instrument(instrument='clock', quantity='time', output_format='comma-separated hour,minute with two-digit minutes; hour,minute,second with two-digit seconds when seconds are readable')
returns 12,38,41
